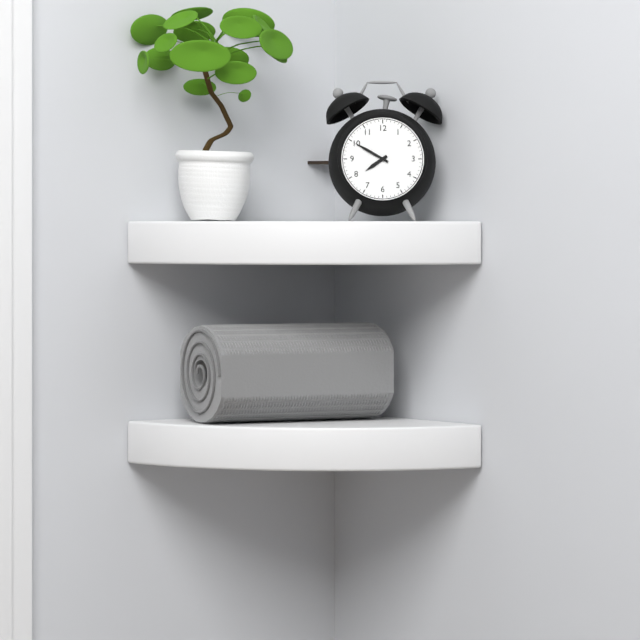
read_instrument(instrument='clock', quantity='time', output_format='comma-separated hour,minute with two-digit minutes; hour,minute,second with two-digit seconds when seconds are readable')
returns 7,50
